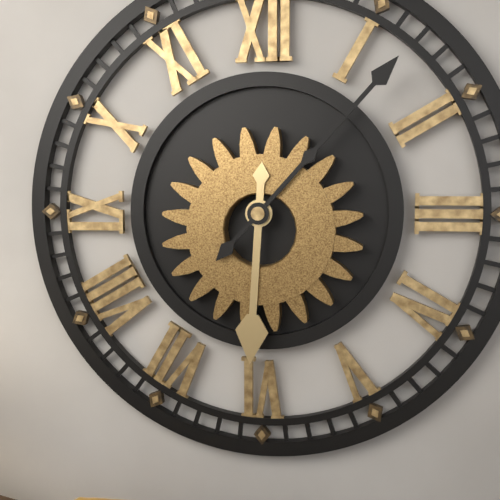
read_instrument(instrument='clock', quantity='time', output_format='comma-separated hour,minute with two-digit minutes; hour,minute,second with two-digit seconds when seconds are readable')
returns 6,07
